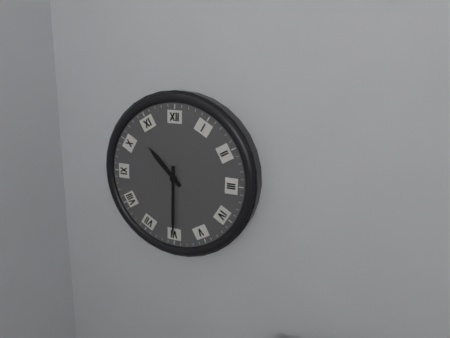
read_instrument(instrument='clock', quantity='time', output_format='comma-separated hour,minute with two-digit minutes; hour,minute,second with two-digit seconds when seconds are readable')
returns 10,30
